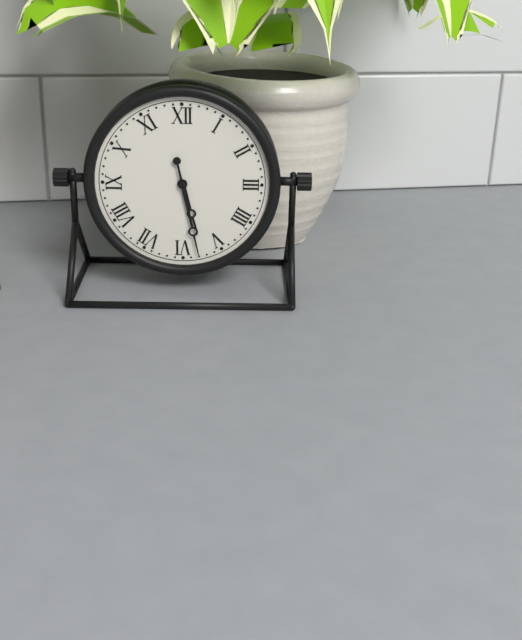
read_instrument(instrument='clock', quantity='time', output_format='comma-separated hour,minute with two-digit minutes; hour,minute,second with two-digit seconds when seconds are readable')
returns 5,28
